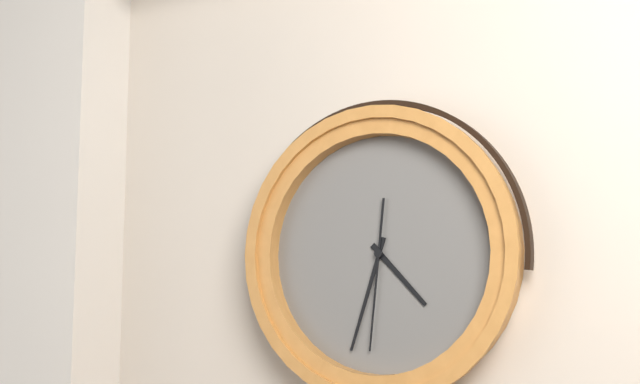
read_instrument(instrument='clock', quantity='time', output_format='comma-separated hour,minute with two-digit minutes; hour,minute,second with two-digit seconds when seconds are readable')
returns 4,33,31
